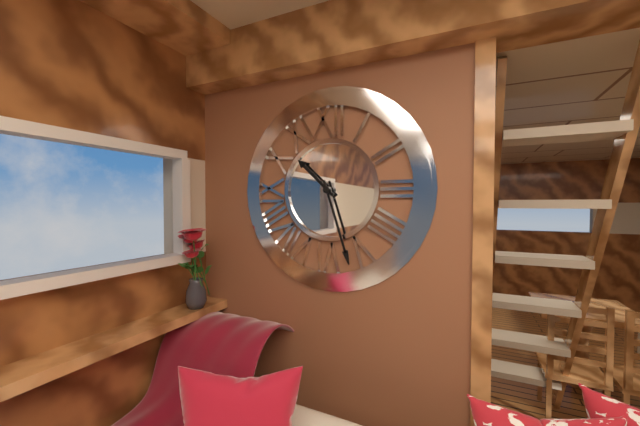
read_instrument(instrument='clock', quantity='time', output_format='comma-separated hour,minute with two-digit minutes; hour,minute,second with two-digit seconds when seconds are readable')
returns 10,27
